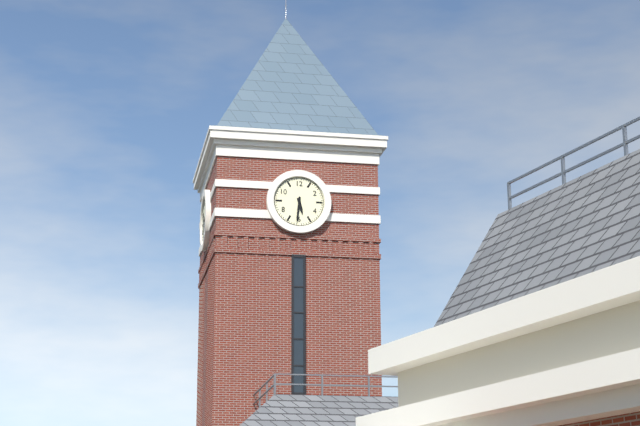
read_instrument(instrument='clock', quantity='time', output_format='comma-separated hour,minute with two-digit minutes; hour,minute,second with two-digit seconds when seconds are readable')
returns 5,31
